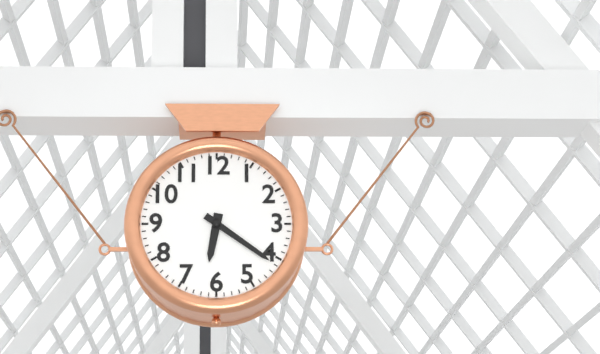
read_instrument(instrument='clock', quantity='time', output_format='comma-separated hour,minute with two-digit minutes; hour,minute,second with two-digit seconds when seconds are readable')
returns 6,21
